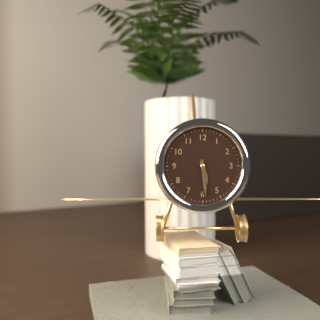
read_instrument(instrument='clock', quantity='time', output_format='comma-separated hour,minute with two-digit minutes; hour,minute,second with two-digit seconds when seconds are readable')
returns 5,29
